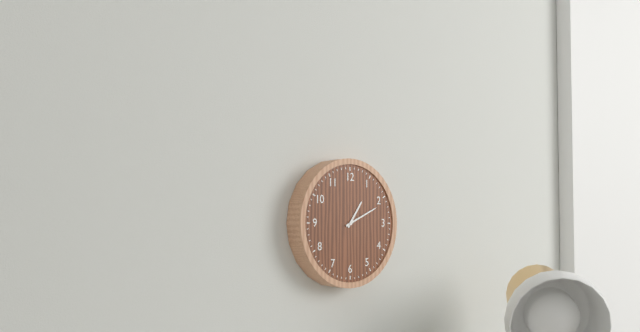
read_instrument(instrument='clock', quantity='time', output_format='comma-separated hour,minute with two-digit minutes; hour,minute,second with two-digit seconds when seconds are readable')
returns 1,11
